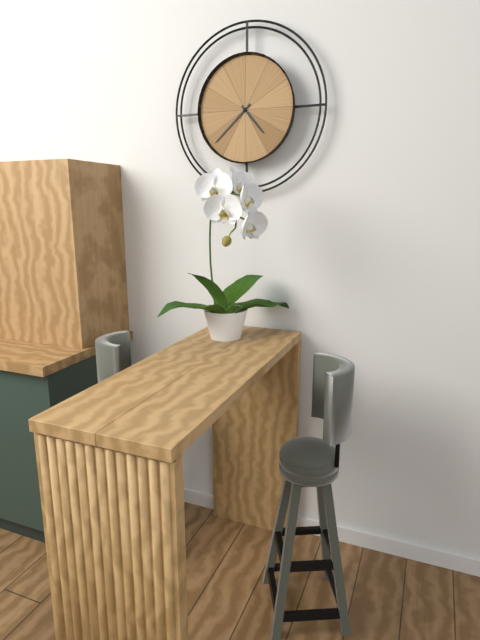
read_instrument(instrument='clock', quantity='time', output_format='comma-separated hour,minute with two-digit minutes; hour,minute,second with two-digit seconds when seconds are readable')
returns 4,38
